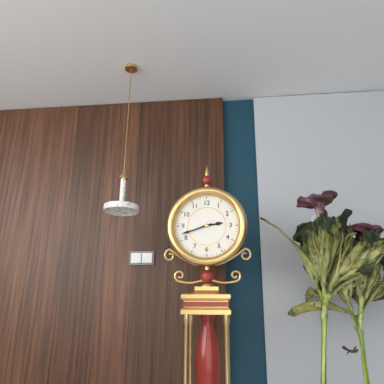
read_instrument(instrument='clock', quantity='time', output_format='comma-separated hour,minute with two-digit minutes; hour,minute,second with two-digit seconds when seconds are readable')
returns 2,42
